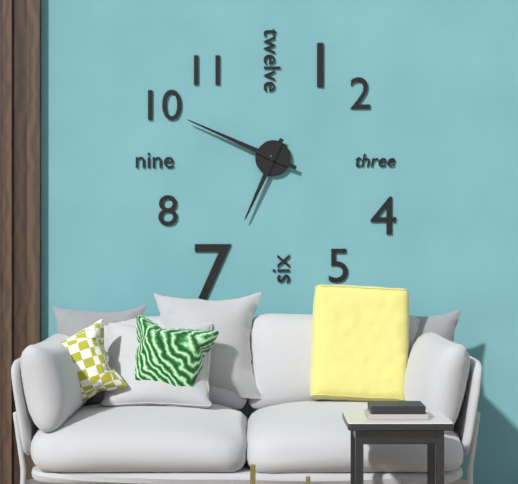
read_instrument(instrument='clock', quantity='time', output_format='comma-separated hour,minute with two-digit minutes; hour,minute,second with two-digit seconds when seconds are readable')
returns 6,49
